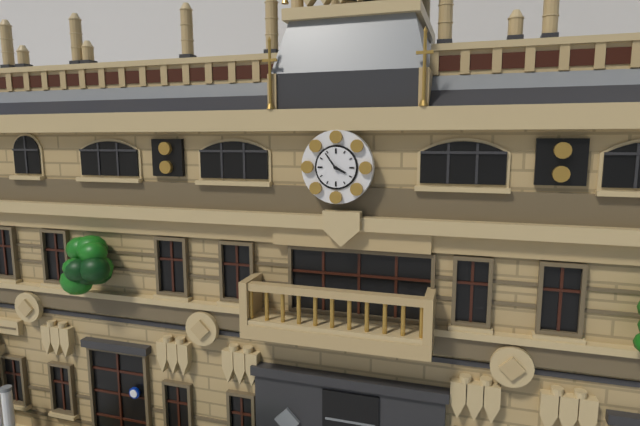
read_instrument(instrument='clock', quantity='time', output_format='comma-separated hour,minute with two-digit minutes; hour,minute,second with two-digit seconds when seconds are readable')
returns 3,54
